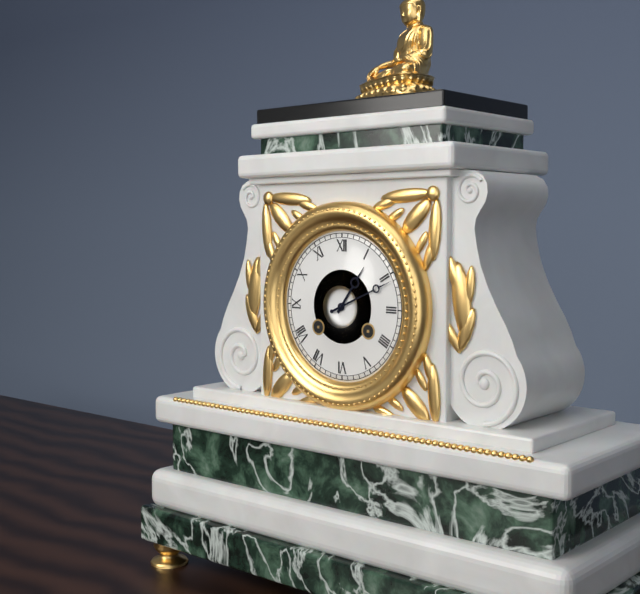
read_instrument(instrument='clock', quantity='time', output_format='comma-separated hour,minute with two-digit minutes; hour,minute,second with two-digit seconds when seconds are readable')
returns 1,11
